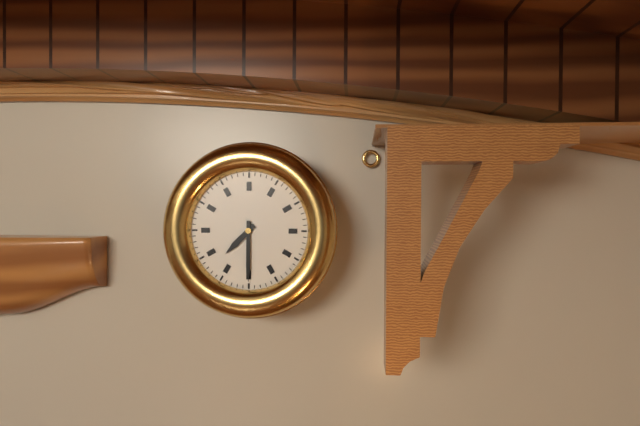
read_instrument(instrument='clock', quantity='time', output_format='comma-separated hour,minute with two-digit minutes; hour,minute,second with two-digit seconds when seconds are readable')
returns 7,30
